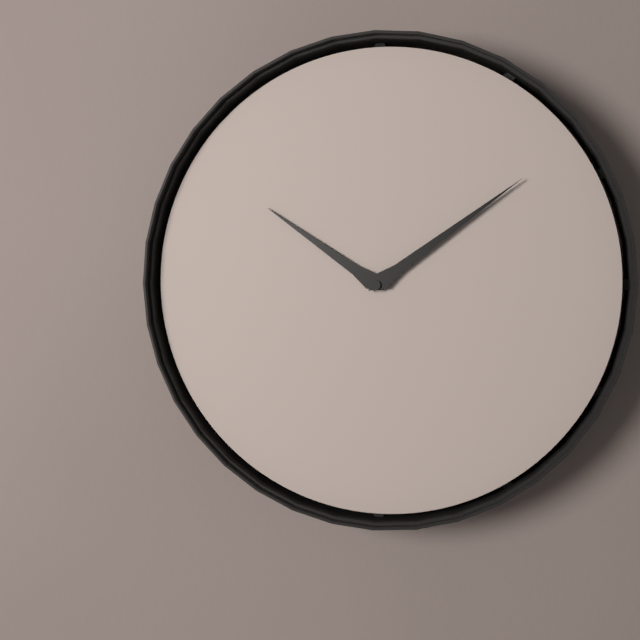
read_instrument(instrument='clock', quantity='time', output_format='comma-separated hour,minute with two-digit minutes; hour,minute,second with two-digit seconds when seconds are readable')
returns 10,09
